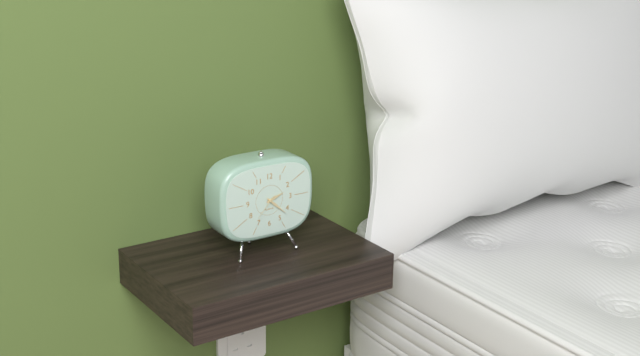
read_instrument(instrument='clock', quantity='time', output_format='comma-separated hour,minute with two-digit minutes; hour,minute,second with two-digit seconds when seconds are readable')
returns 2,22
